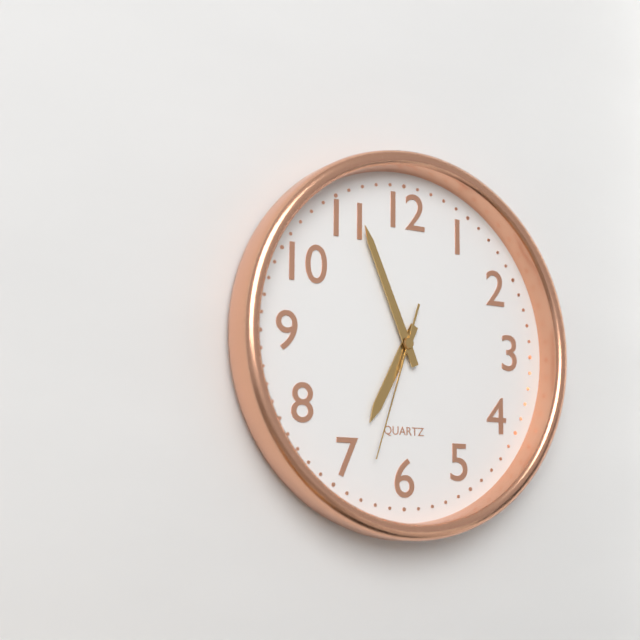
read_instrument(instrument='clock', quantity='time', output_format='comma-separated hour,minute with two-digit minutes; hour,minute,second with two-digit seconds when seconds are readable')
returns 6,56,33
